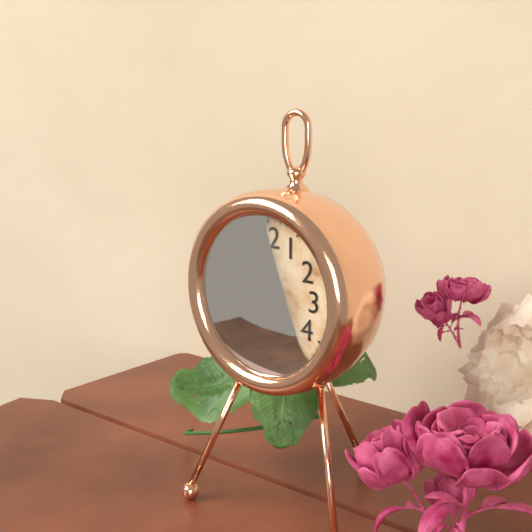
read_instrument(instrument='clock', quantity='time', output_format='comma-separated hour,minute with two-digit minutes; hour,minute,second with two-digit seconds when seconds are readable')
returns 10,52
